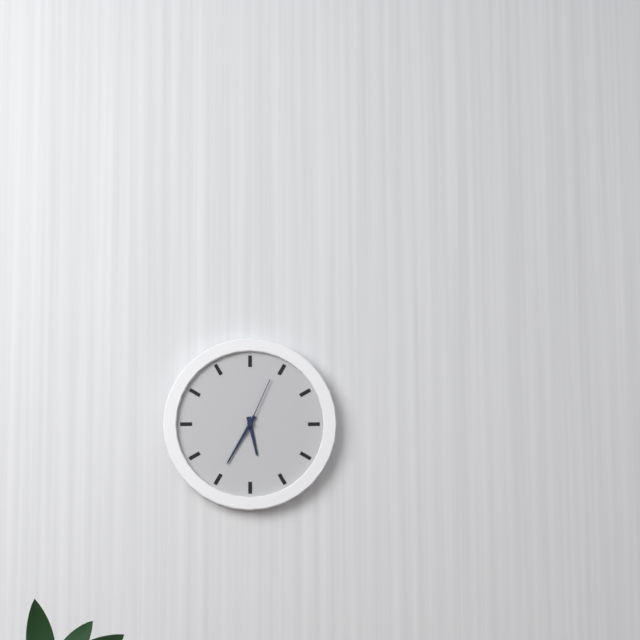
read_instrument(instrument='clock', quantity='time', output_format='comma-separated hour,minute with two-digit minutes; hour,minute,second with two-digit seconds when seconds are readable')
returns 5,35,04
